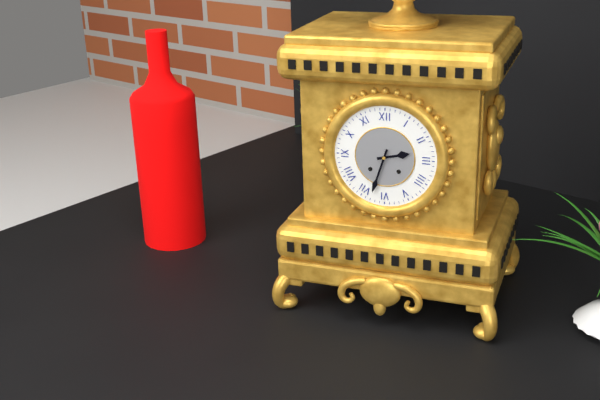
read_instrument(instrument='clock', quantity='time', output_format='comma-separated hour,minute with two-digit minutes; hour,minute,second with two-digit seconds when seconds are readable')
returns 2,33
